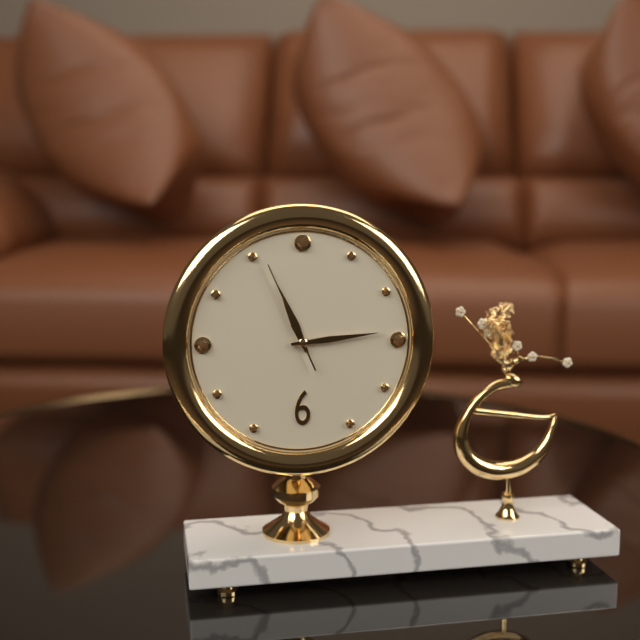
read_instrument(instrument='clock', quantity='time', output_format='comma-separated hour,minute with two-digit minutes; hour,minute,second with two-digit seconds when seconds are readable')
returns 11,14,56
